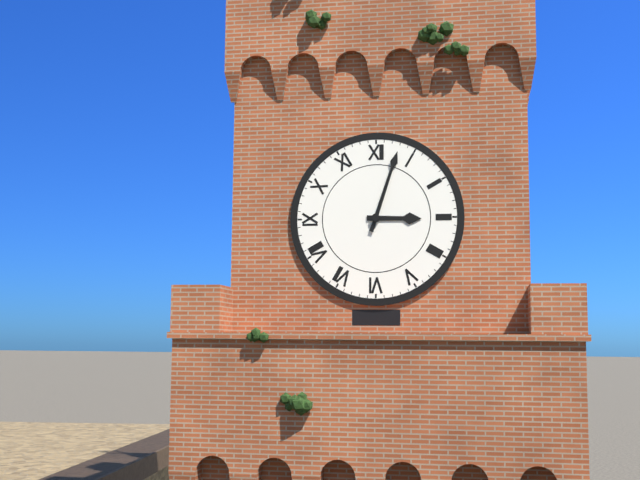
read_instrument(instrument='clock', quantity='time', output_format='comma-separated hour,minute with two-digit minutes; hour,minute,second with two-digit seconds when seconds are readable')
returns 3,03
